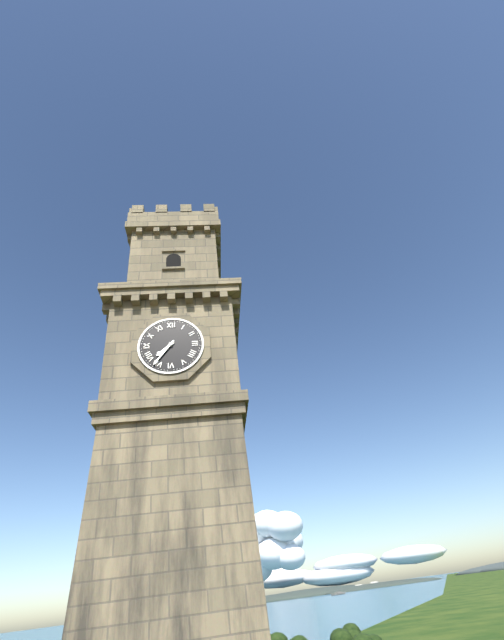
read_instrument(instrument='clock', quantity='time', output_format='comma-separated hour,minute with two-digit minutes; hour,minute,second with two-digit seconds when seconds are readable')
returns 7,36
